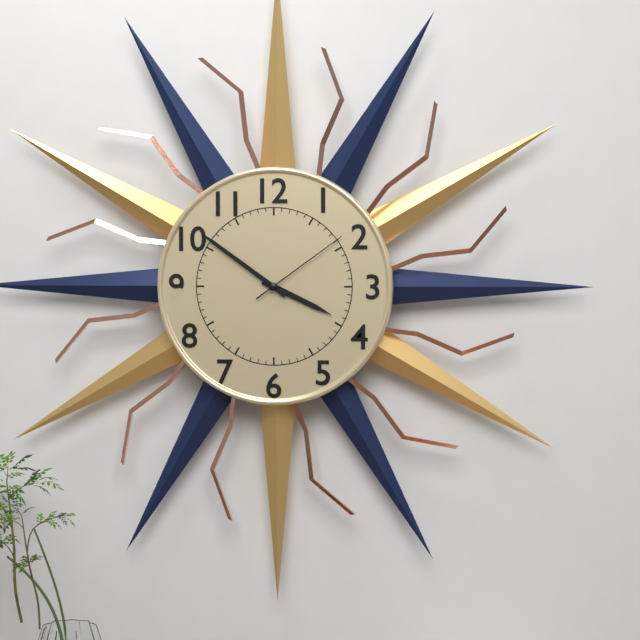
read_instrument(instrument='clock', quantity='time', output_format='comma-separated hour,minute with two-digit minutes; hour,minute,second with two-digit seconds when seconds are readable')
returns 3,51,09
